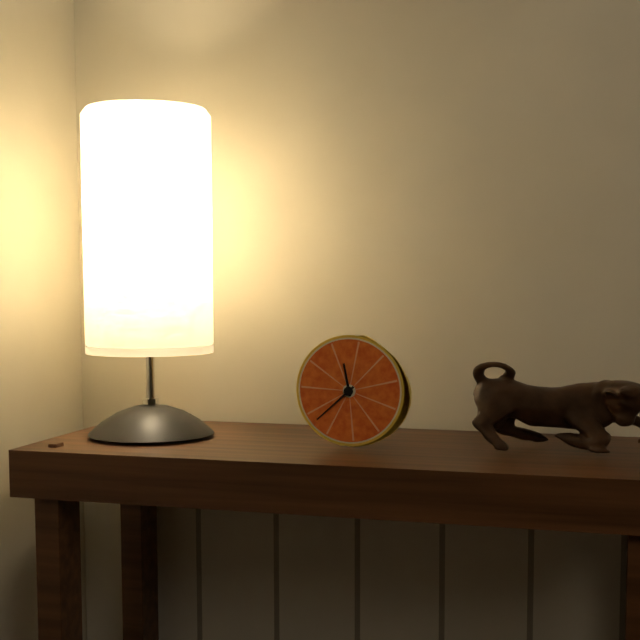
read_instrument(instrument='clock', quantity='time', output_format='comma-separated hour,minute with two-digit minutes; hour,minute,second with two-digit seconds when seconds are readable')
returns 11,38
